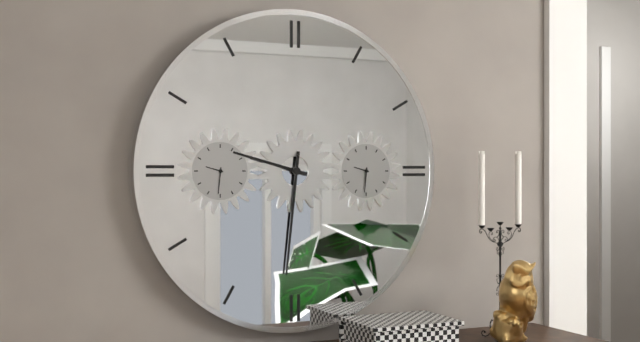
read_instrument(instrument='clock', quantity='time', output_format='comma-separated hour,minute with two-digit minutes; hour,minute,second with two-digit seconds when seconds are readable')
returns 9,31
